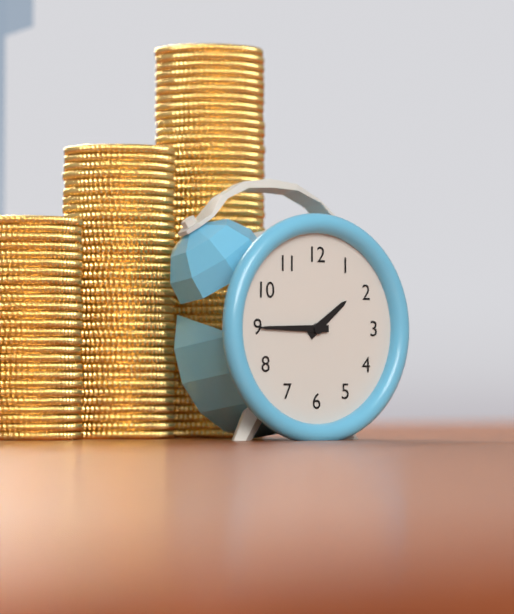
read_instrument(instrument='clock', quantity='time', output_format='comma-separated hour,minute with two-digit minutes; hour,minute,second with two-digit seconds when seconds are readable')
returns 1,45
